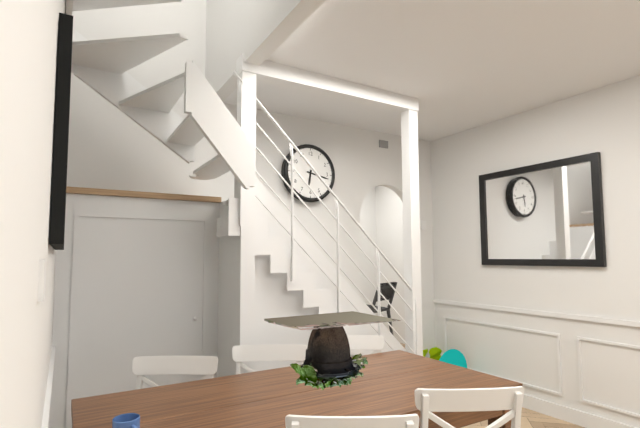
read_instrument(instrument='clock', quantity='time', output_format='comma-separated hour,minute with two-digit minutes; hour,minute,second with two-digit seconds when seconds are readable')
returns 6,17
